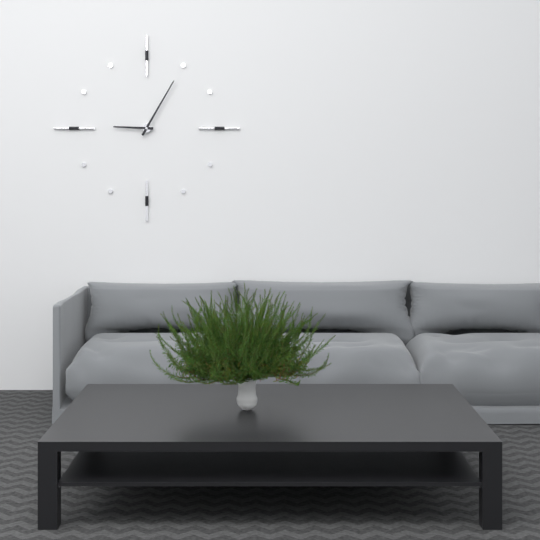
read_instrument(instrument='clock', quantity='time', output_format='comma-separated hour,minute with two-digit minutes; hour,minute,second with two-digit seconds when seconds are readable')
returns 9,05
